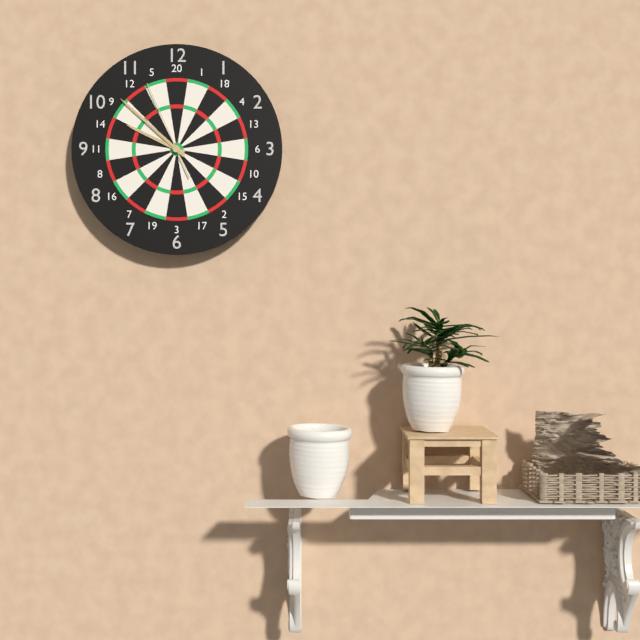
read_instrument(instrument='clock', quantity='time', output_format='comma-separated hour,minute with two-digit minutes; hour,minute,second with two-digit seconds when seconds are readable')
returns 9,52,56
